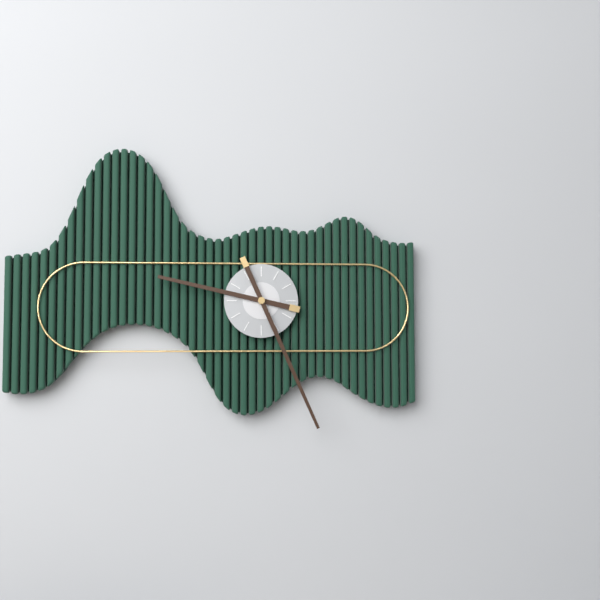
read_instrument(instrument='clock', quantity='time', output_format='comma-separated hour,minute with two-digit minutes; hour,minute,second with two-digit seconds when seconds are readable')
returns 9,26
